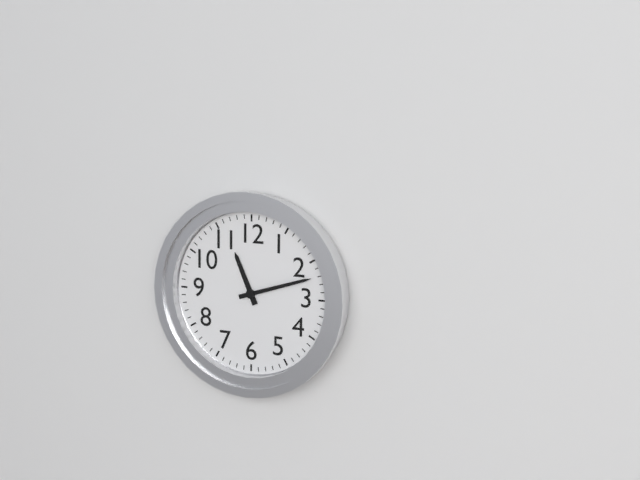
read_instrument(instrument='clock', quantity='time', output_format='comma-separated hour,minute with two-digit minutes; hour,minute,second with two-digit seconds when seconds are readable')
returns 11,12
